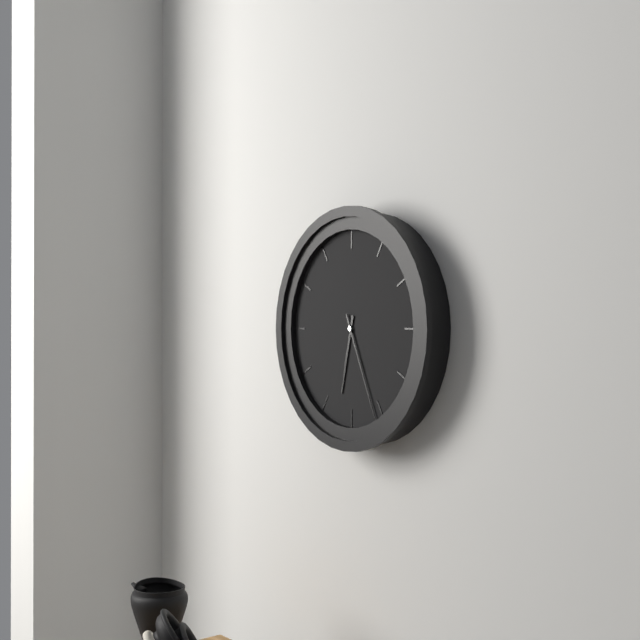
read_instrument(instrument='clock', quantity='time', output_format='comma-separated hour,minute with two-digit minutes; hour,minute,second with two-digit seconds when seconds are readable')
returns 6,26
